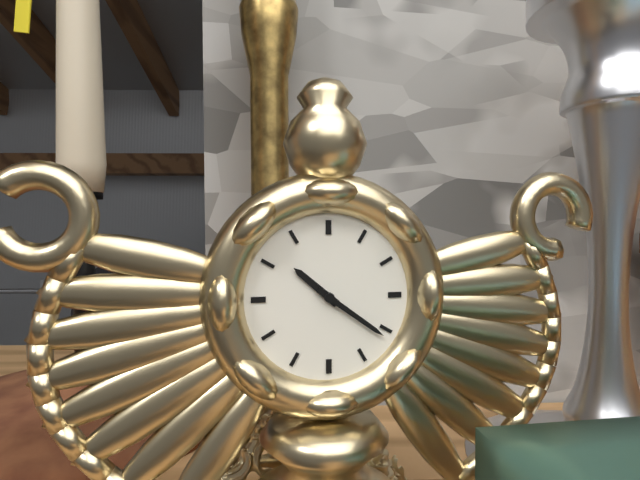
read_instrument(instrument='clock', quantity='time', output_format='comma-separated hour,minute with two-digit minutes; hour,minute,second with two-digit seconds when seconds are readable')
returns 10,21
